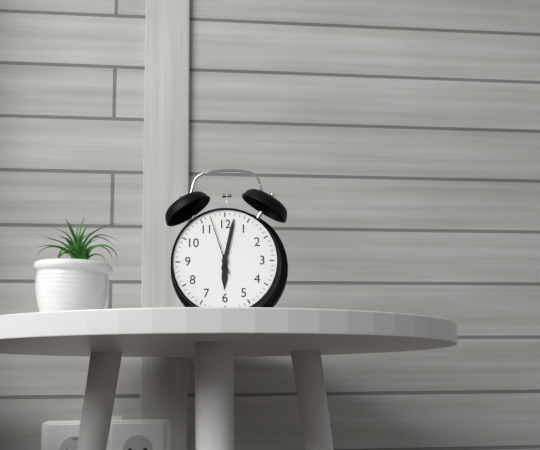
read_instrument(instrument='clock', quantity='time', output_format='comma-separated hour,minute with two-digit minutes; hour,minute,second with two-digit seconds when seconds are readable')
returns 6,02,57
